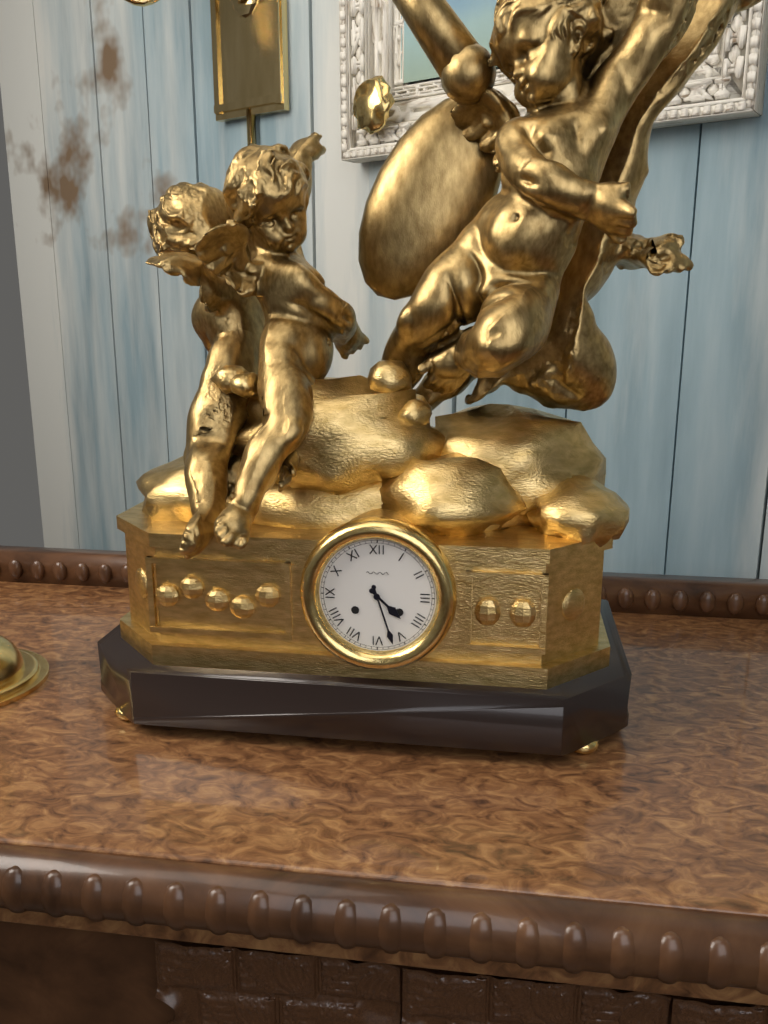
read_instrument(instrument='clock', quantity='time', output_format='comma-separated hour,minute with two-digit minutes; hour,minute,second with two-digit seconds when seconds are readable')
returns 4,27
